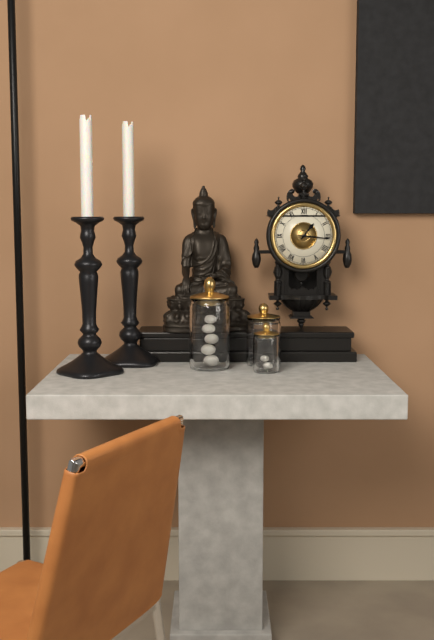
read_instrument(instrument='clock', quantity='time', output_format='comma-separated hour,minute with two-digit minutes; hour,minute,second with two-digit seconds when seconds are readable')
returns 1,16
